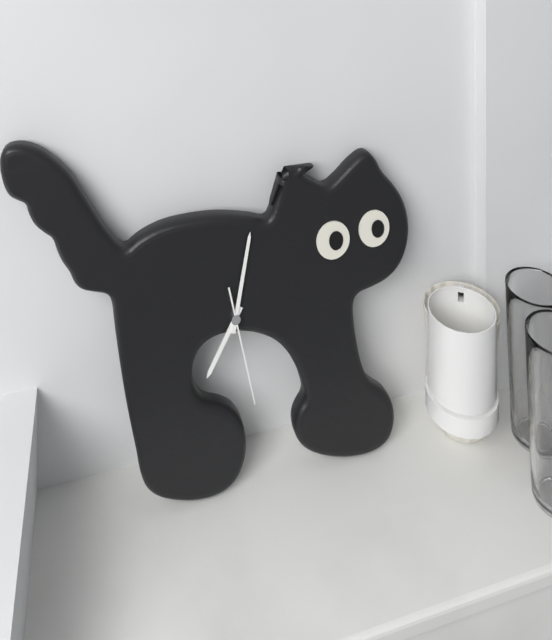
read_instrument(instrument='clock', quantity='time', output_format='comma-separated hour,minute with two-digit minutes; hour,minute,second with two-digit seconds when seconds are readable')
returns 7,02,28
